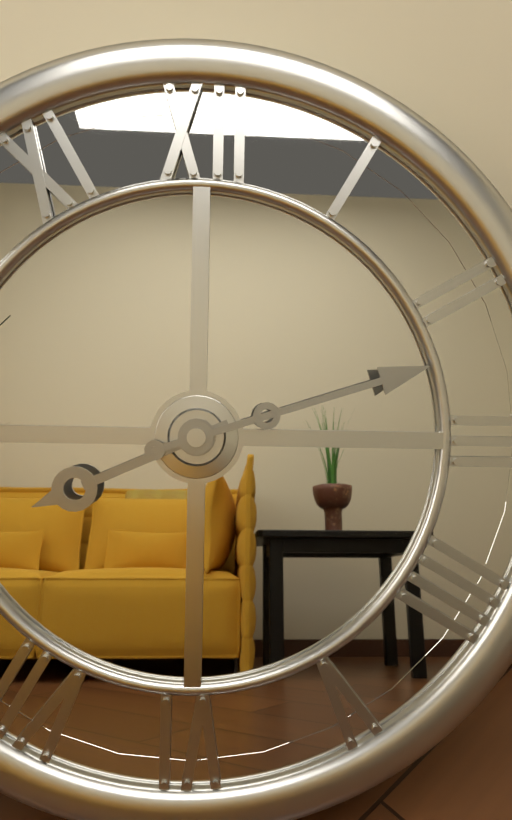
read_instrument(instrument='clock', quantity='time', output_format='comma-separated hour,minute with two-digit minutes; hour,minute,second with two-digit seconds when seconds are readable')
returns 8,12
